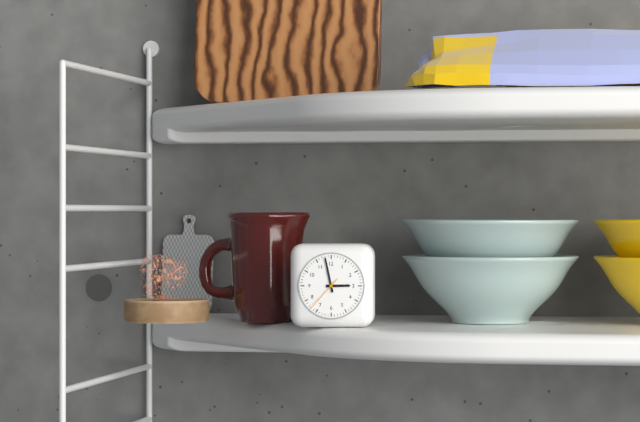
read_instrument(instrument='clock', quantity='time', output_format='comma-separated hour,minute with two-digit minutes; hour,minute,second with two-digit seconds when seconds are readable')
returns 2,58
